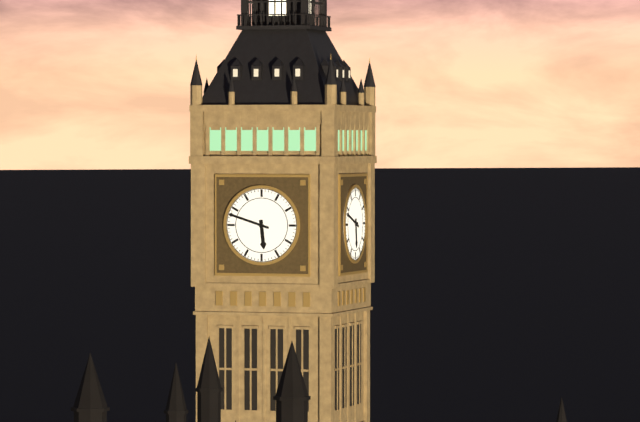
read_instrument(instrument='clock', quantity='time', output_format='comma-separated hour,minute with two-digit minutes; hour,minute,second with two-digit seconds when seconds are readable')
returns 5,48
